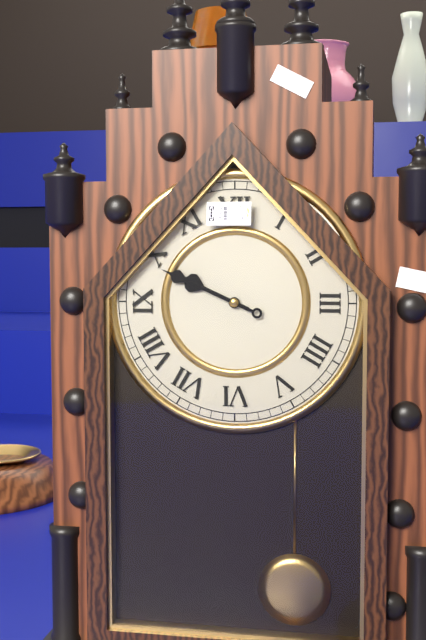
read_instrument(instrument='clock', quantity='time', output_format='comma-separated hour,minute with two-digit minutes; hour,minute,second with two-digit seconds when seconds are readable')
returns 9,49
